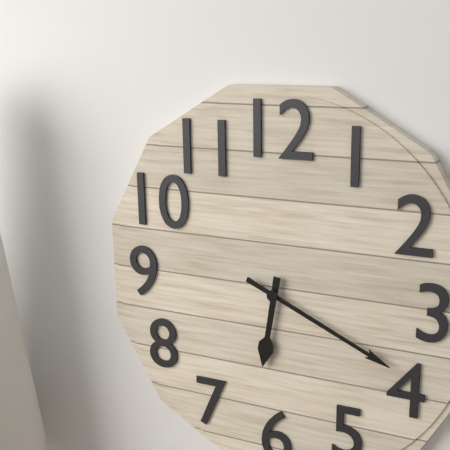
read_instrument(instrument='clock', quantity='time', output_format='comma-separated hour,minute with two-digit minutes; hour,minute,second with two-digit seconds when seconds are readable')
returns 6,19
